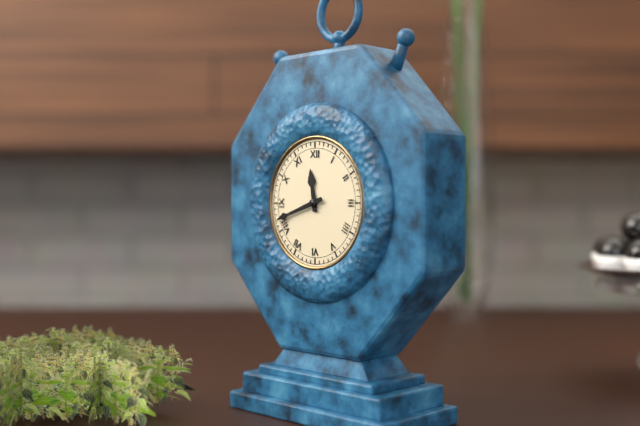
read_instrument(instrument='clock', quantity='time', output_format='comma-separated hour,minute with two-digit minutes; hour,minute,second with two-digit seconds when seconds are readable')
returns 11,42
